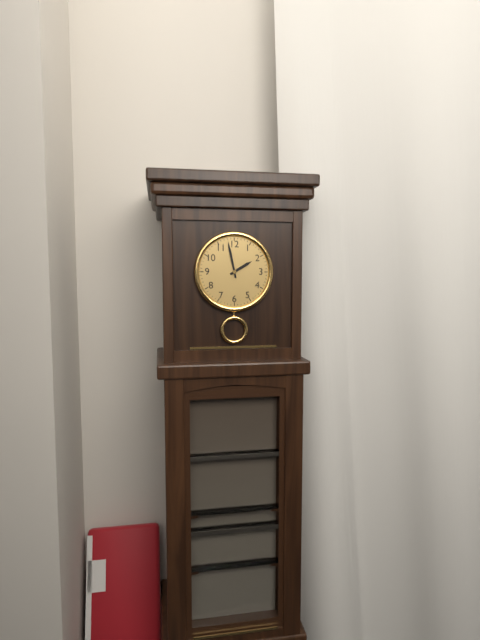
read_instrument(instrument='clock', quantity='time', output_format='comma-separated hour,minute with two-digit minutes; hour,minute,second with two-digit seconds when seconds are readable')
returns 1,58
